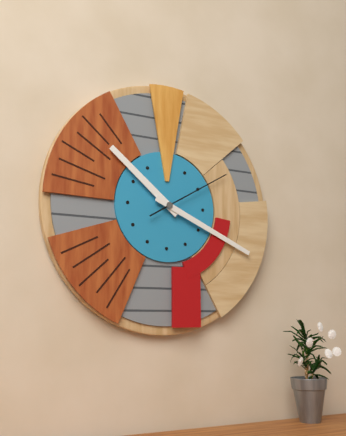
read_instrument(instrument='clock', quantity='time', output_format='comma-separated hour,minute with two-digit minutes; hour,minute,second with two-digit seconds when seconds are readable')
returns 10,19,10
